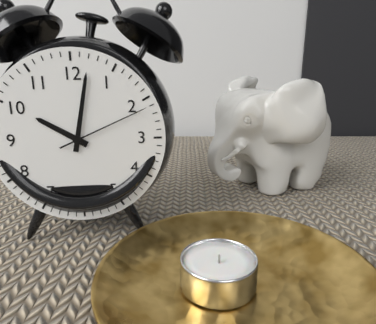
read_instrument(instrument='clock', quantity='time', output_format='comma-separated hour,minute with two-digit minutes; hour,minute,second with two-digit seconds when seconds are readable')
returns 10,02,11
